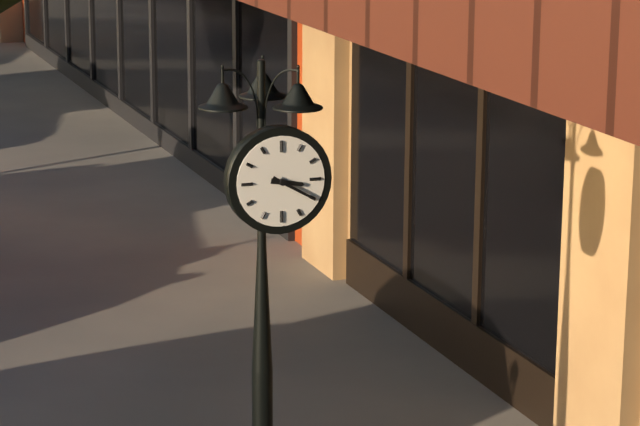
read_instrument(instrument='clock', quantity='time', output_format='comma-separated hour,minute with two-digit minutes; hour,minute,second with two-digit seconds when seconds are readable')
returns 3,20
